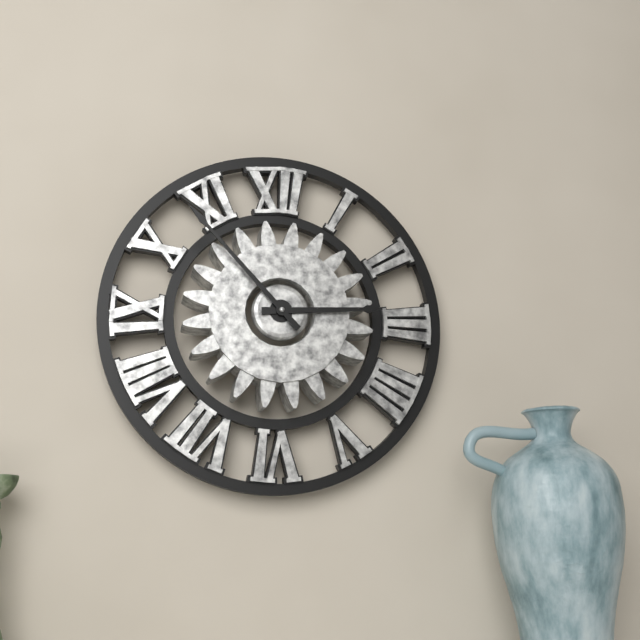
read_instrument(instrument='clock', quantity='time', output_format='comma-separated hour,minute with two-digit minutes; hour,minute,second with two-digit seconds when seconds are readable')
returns 2,53
